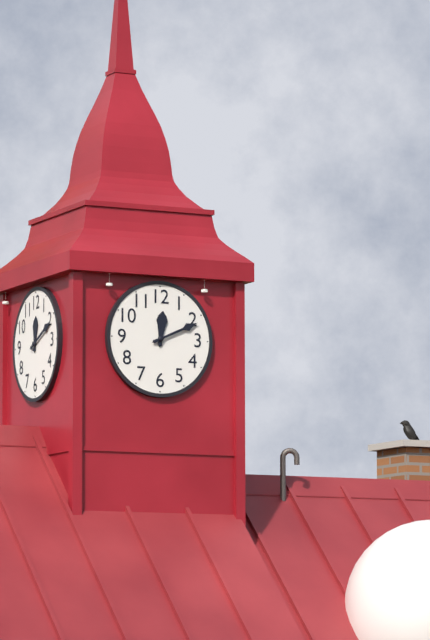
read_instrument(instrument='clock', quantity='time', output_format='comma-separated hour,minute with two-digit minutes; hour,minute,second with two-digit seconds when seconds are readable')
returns 12,11
